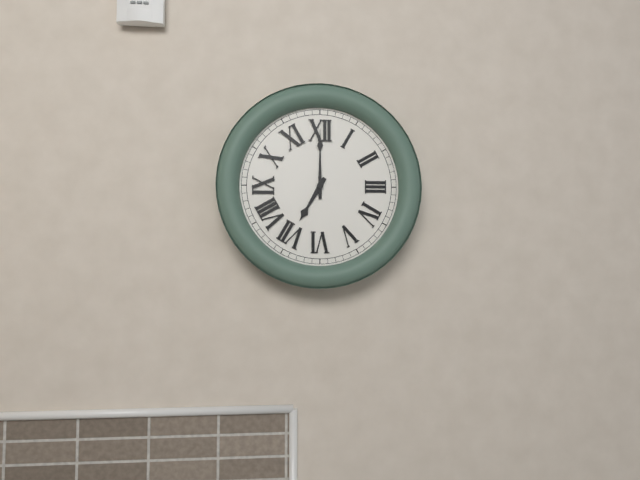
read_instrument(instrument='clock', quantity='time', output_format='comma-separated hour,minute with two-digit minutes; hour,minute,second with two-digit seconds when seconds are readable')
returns 7,00
